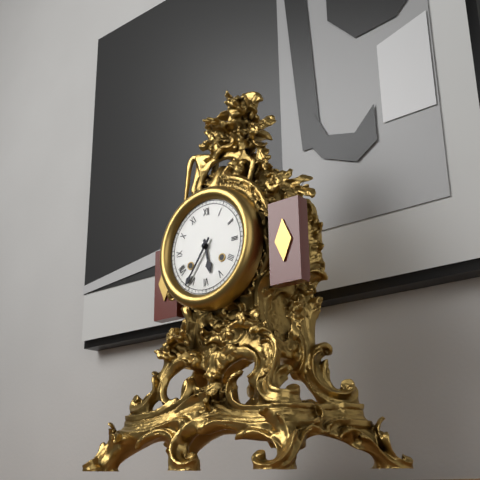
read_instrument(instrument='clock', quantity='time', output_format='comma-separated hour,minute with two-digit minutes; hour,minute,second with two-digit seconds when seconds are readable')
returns 5,36
